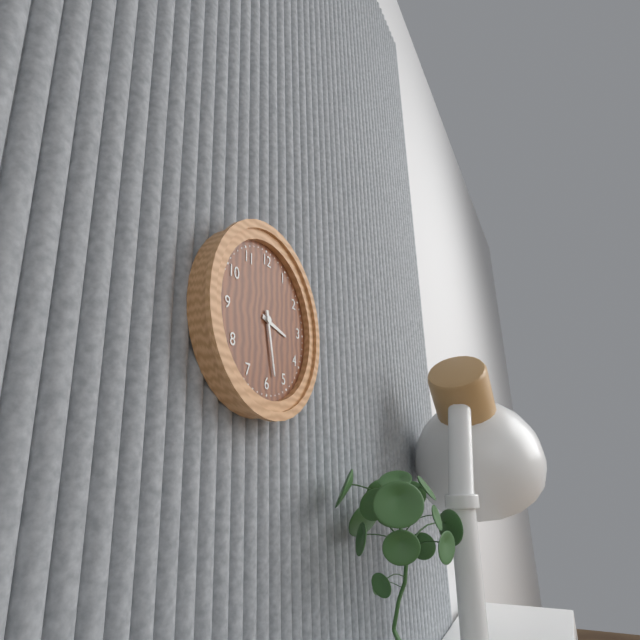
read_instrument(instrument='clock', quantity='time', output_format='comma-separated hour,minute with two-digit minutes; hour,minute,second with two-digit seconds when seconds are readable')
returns 3,28
